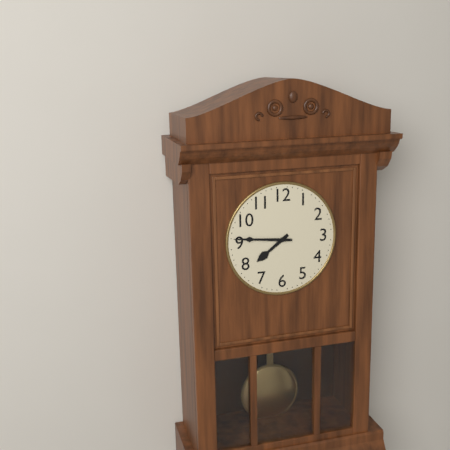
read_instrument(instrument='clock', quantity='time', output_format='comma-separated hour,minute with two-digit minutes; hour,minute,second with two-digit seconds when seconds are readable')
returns 7,46
